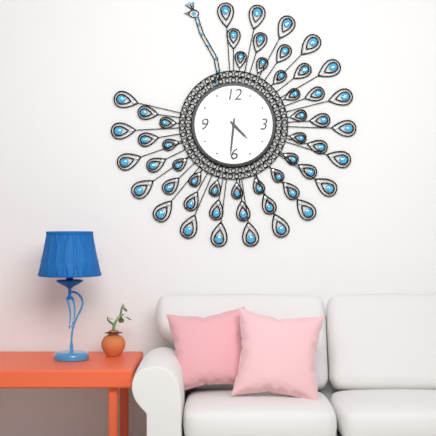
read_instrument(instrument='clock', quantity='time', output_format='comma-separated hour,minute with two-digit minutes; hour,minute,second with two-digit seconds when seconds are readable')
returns 4,31
